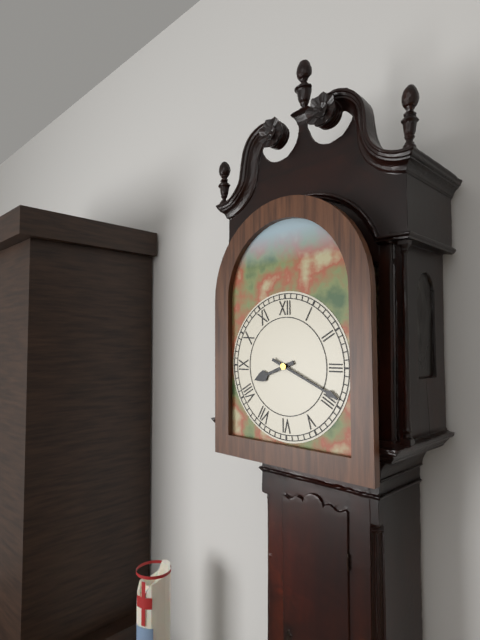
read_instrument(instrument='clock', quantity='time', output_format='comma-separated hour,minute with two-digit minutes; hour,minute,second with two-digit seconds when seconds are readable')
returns 8,19
